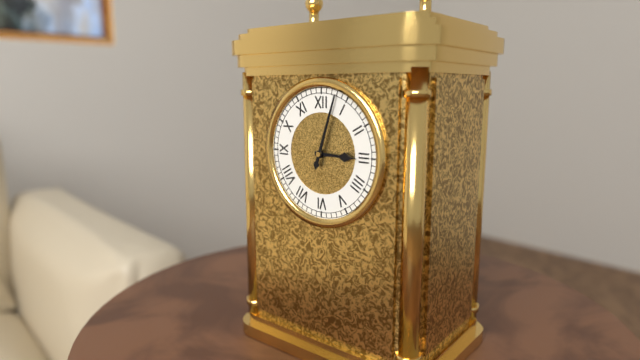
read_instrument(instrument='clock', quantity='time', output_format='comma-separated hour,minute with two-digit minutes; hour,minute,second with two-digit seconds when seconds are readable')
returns 3,03
